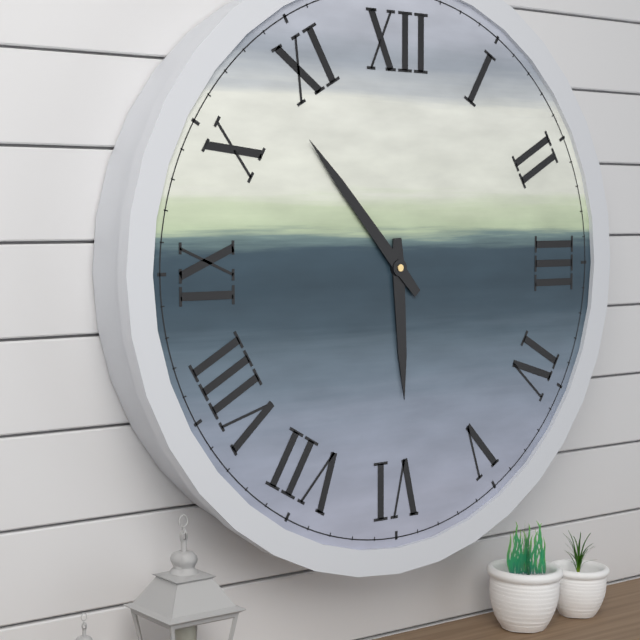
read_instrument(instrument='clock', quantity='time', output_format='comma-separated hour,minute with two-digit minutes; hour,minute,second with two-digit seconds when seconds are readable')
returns 5,53
